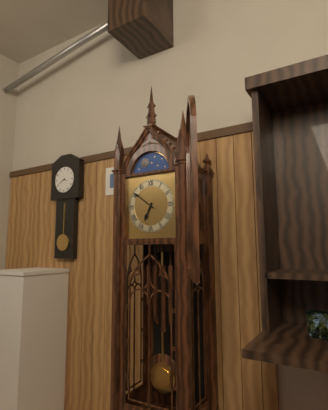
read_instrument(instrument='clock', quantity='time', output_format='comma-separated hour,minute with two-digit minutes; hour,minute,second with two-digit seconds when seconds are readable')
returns 6,51
